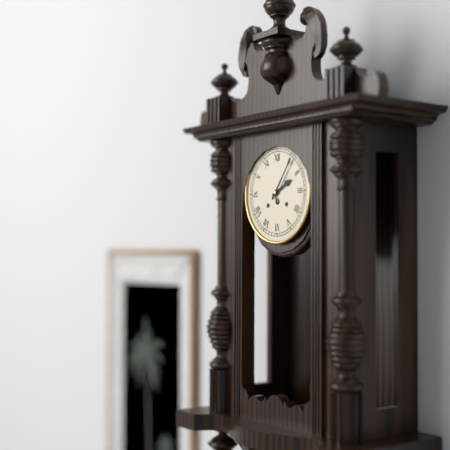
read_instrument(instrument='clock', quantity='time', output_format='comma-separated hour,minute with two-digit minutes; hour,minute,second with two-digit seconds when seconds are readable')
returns 2,06
